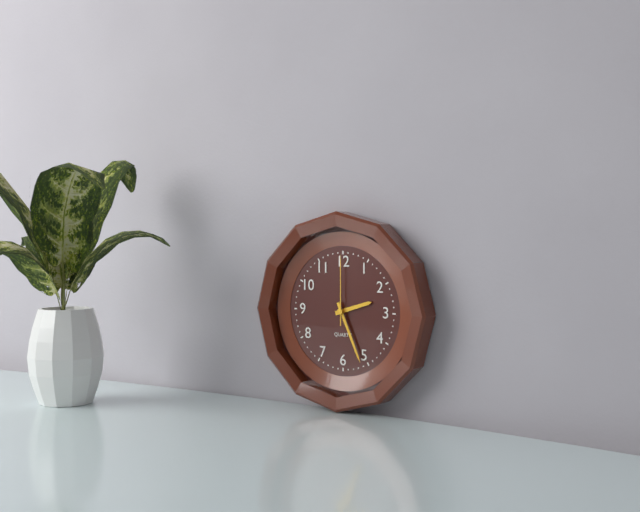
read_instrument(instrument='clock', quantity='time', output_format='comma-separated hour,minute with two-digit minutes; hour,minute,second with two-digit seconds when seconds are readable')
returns 2,26,00
